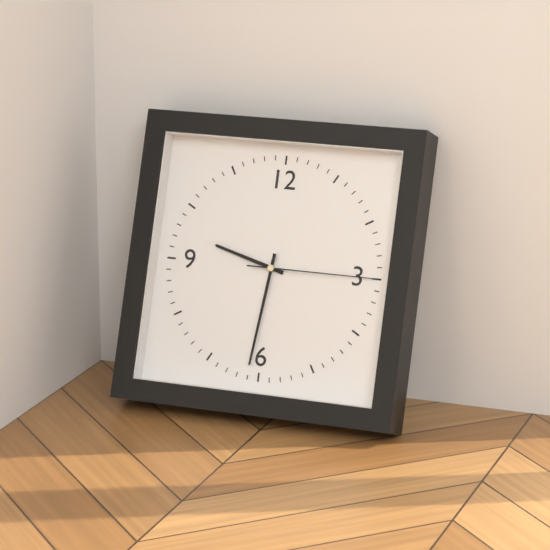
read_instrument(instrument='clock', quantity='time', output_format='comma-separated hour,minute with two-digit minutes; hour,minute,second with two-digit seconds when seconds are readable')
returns 9,31,15
